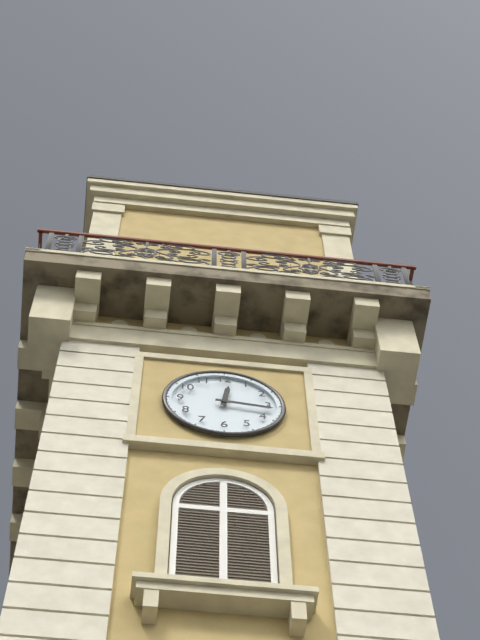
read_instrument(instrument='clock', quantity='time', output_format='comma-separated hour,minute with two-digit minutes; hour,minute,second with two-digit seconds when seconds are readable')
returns 12,16
